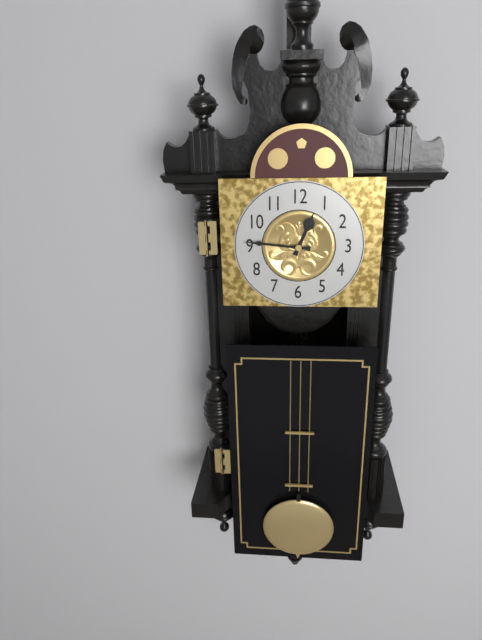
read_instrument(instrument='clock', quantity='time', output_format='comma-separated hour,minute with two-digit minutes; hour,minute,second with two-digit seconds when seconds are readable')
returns 12,46
